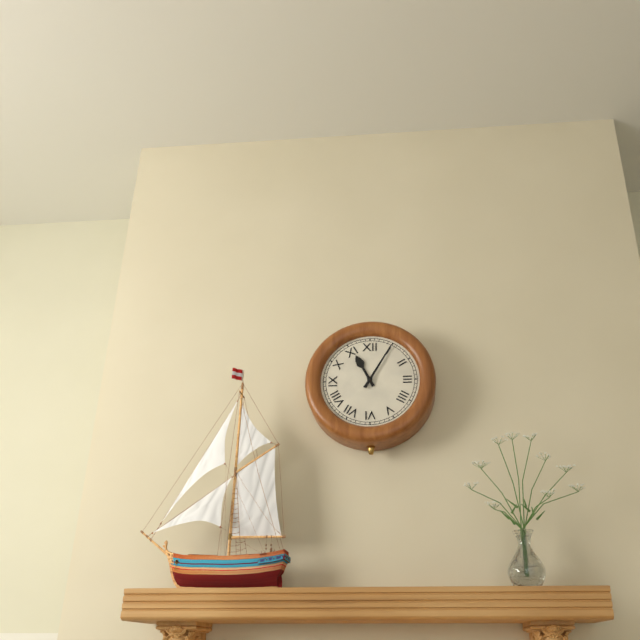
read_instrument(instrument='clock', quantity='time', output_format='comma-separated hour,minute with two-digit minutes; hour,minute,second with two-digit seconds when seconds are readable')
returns 11,05
